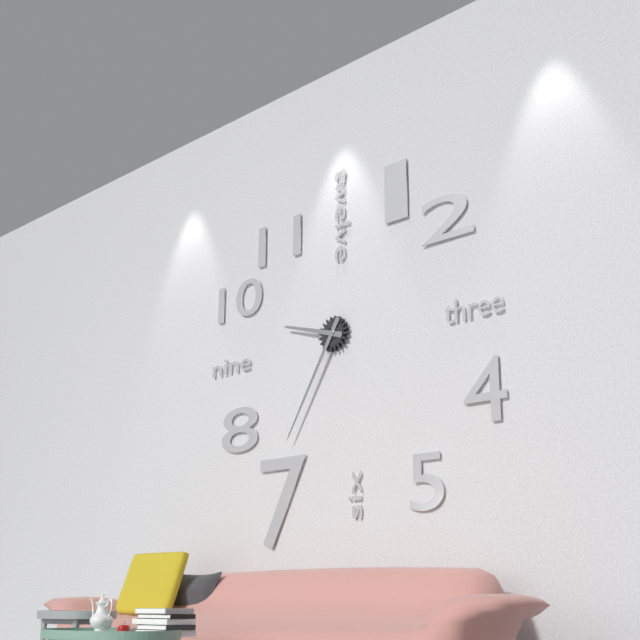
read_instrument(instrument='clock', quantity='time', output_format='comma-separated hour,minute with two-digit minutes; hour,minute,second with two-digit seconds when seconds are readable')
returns 9,35
